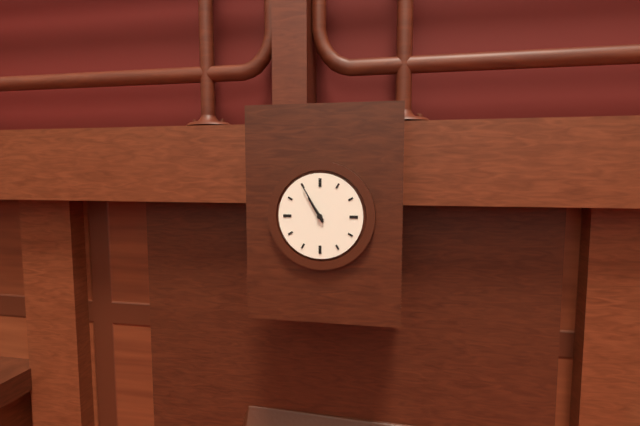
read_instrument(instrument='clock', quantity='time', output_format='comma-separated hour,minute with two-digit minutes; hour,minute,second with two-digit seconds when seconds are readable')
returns 10,55
